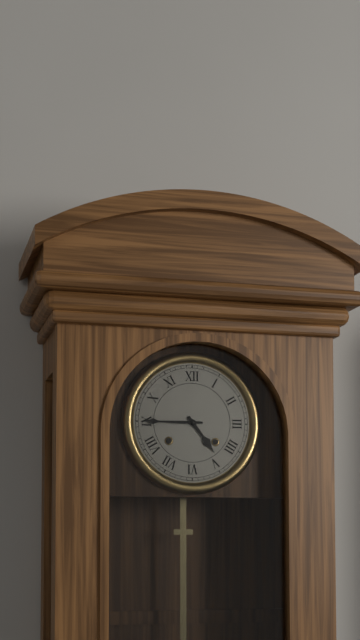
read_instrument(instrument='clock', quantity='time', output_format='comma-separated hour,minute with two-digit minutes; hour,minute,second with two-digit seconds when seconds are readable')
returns 4,45
